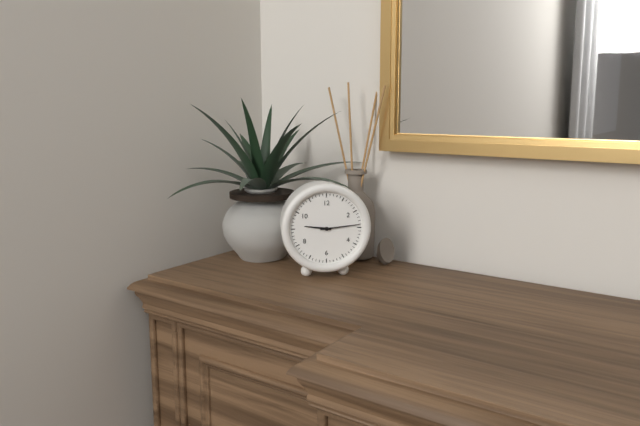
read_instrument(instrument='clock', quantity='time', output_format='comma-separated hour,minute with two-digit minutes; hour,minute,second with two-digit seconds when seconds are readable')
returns 9,14
